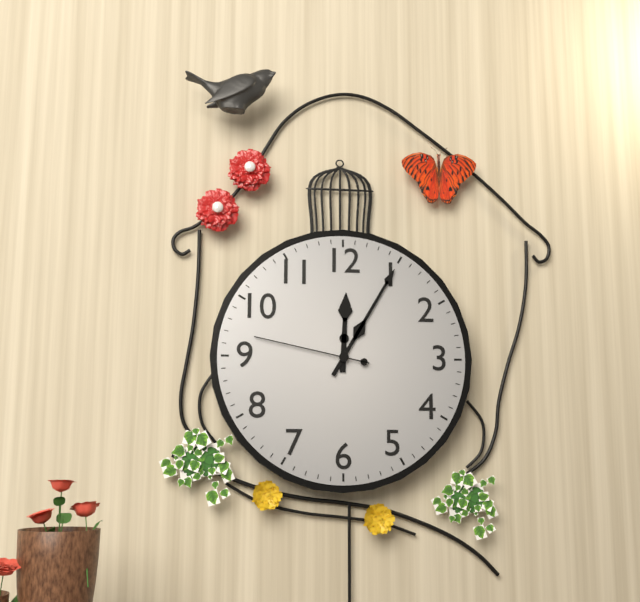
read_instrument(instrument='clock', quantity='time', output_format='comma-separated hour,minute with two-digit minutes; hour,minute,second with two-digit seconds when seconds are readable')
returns 12,05,47
